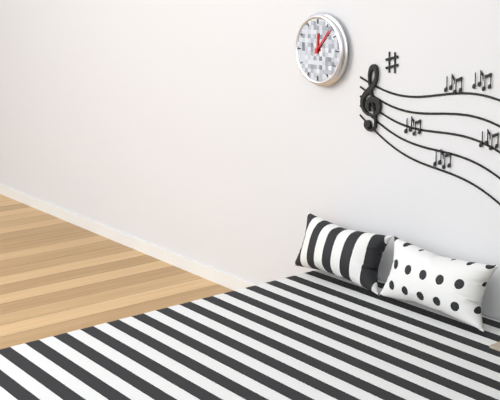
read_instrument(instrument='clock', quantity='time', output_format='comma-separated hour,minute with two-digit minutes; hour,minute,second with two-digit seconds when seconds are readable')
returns 12,07
